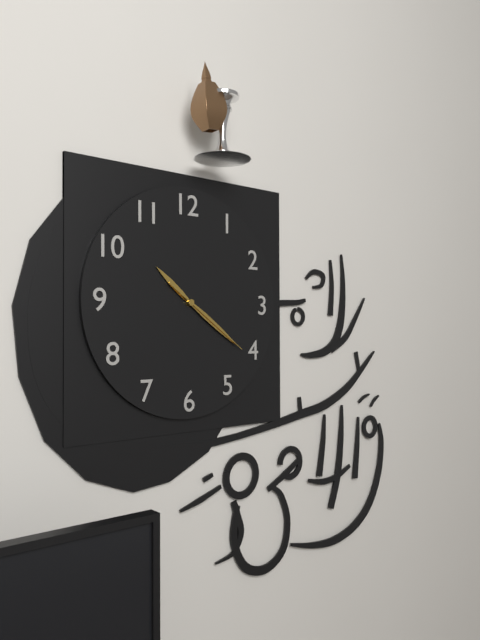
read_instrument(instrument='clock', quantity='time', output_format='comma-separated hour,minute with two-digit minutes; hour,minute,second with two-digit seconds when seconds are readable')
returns 10,21,21
